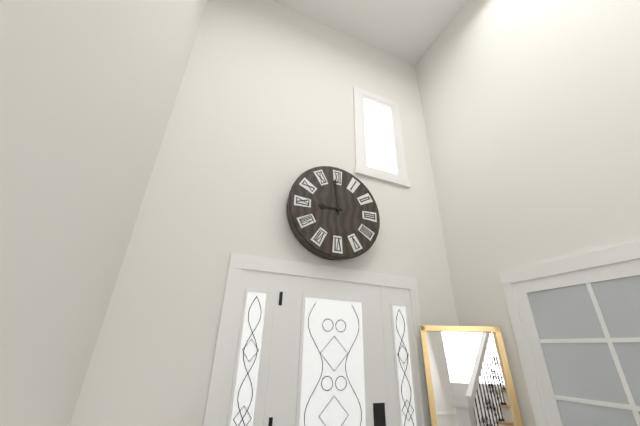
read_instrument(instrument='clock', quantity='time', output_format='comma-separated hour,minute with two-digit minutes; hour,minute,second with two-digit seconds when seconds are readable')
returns 8,59
